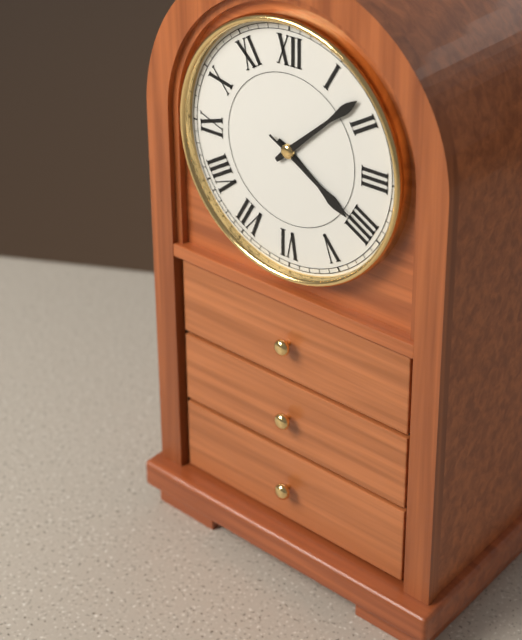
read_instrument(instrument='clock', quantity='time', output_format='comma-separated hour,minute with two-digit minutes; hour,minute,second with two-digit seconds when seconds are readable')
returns 4,08,20
